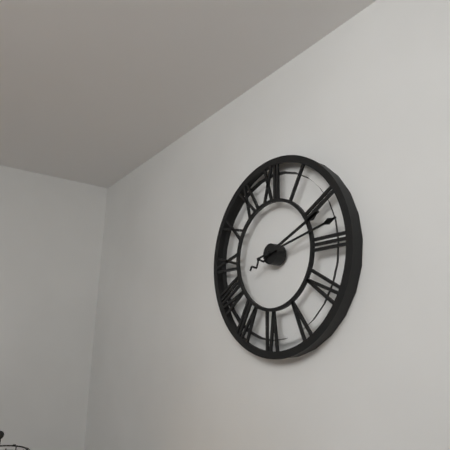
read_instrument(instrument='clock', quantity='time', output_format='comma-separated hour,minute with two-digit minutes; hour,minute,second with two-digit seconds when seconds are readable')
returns 2,13
